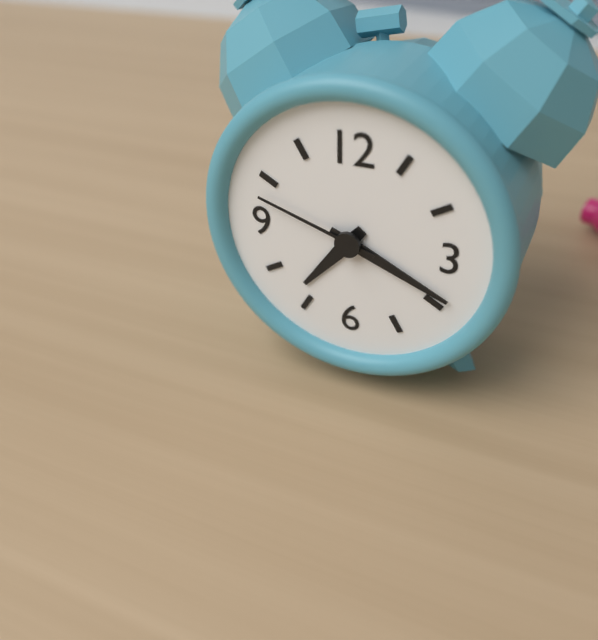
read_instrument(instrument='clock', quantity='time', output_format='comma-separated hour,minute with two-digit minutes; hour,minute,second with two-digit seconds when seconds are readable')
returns 7,19,48
